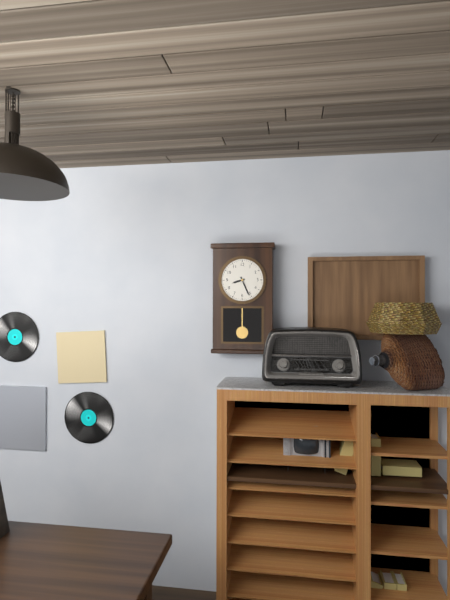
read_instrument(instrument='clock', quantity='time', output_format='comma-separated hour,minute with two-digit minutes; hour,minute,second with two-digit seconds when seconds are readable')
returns 8,26
